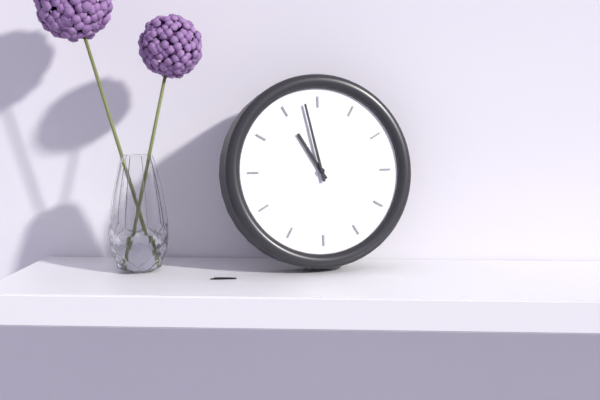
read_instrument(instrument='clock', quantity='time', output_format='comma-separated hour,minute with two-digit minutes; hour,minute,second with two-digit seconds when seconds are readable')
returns 10,58
